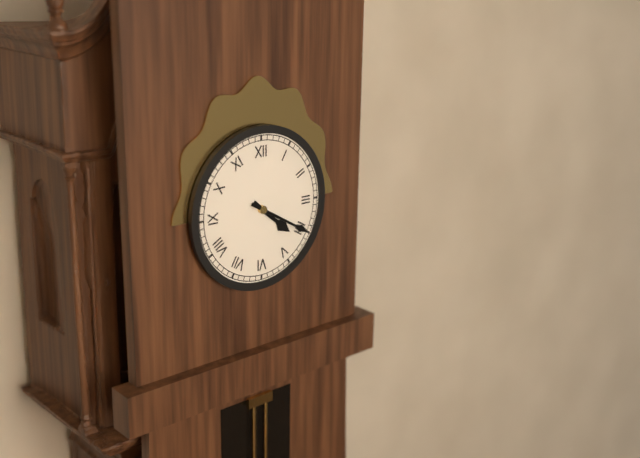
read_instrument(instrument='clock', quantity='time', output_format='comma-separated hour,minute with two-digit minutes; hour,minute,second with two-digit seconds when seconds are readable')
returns 4,20
